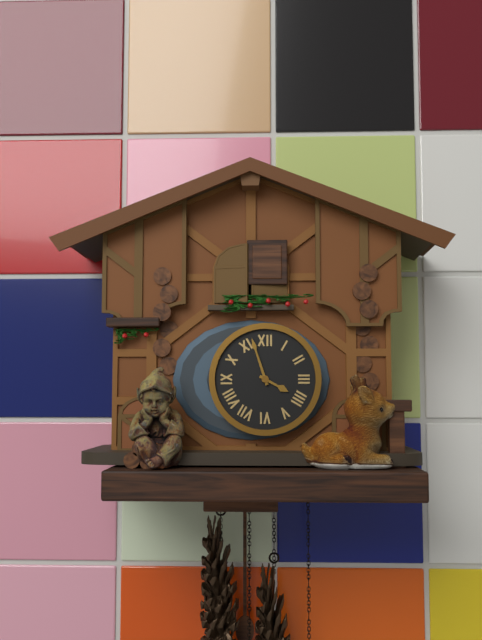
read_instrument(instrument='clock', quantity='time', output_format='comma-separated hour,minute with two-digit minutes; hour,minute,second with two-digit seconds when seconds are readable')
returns 3,57
